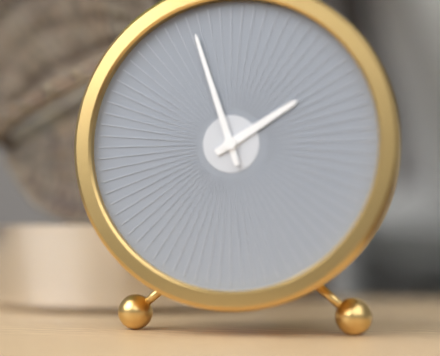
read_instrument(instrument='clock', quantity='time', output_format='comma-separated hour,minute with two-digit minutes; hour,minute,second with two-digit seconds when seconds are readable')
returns 1,57
